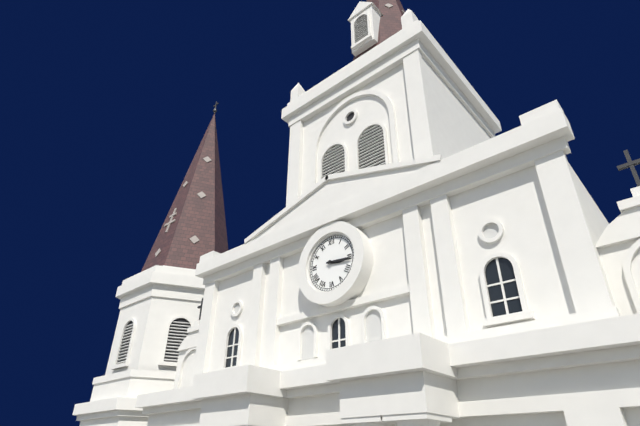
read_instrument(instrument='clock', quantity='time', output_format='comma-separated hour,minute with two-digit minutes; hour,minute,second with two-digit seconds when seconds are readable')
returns 3,16
